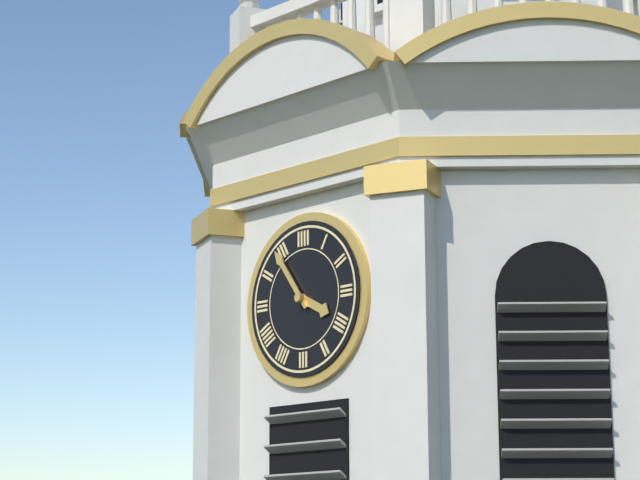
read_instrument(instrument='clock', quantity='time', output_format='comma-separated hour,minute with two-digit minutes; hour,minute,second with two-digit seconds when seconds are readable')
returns 3,54
